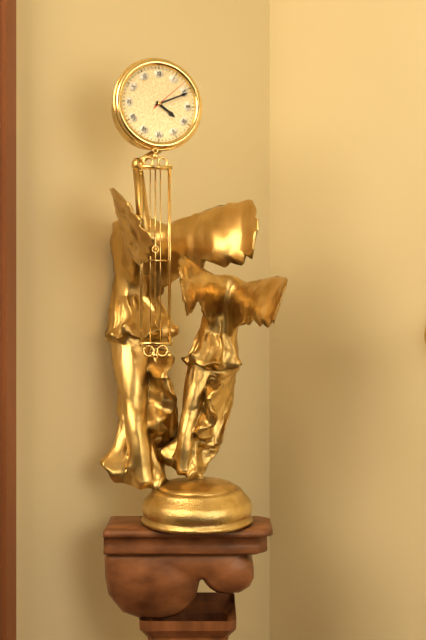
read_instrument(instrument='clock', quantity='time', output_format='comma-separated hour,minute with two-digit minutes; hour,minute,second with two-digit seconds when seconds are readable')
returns 4,11
